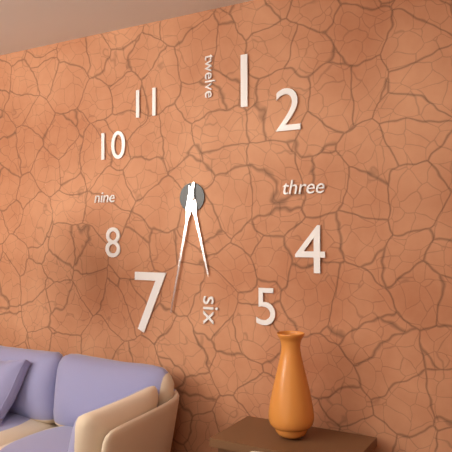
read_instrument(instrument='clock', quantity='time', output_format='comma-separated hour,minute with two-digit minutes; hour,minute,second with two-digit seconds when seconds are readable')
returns 5,32
